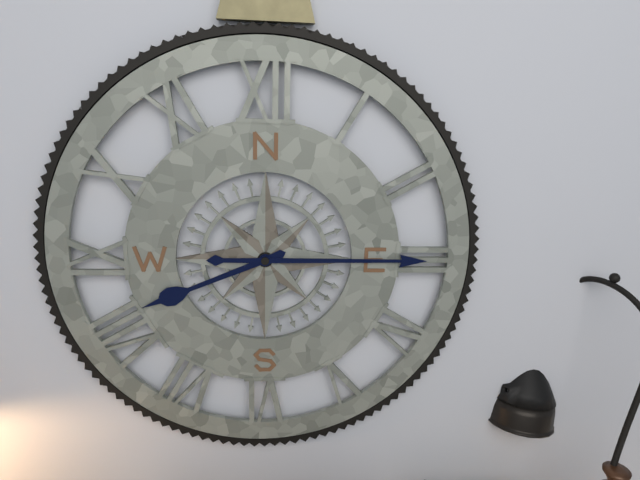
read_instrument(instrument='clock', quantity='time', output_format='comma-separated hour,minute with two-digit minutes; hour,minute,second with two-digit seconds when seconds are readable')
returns 8,15
